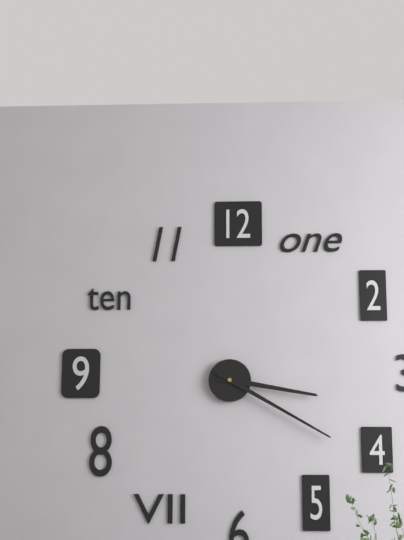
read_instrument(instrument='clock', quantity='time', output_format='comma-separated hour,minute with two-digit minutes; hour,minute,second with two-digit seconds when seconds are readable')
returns 3,20
